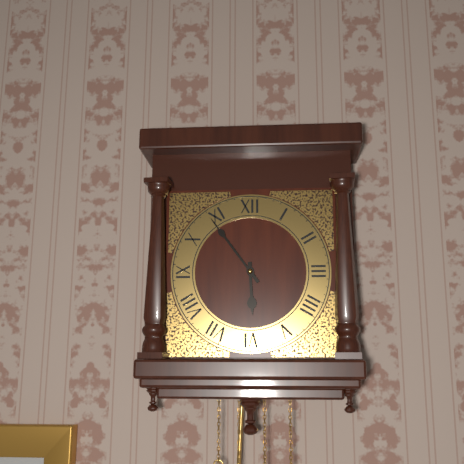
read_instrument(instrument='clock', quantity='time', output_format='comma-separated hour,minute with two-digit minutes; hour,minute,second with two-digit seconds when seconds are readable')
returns 5,54
